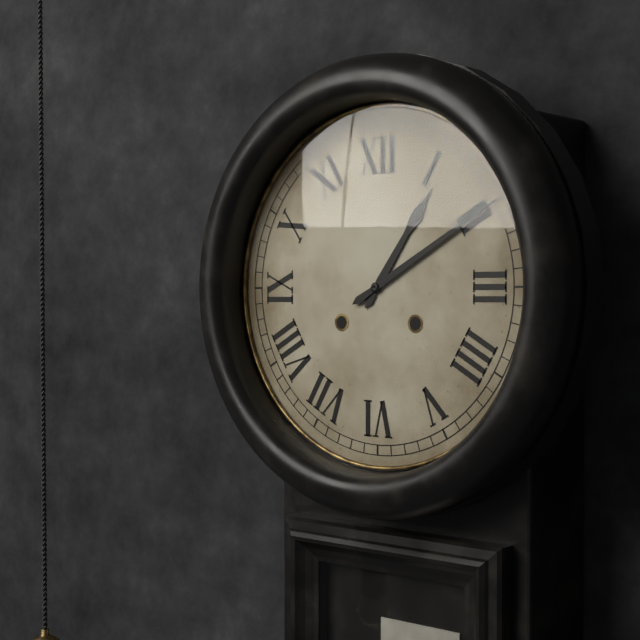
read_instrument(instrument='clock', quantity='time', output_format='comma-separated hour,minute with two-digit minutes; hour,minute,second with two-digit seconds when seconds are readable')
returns 1,10
